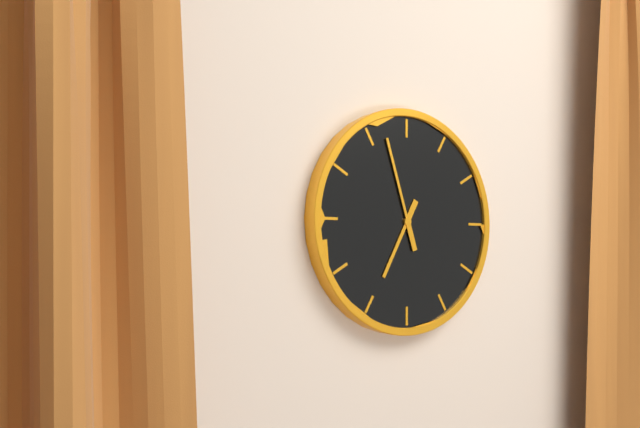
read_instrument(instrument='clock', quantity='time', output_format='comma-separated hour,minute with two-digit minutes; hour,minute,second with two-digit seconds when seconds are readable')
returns 6,57
